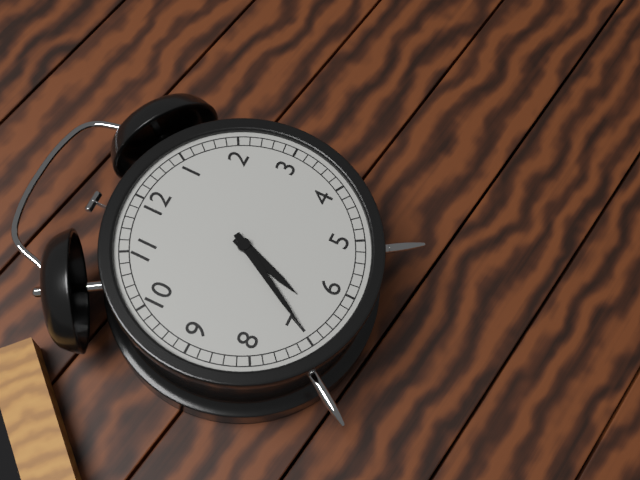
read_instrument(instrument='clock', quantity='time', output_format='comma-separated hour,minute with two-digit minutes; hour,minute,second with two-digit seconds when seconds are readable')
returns 6,35
